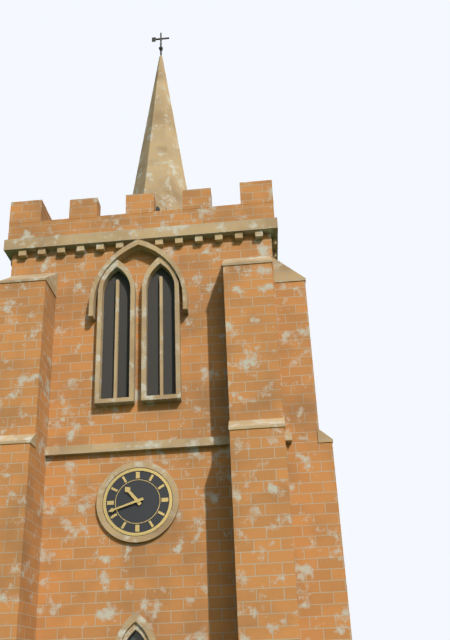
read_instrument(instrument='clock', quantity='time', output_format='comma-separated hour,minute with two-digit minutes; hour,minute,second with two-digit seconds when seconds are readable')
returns 10,42
